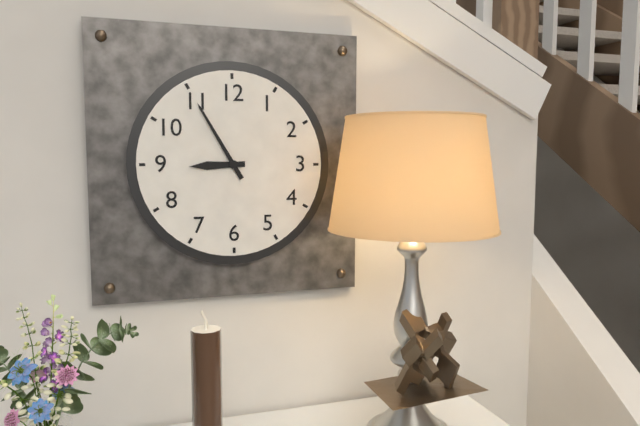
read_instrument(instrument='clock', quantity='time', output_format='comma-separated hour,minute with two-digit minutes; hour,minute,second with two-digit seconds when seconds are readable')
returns 8,55
